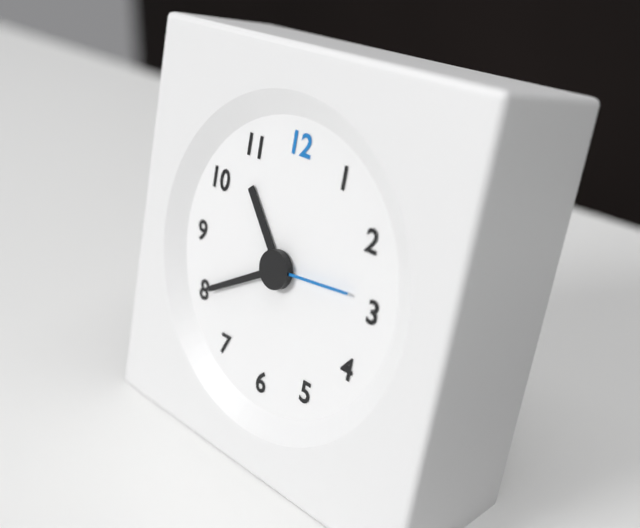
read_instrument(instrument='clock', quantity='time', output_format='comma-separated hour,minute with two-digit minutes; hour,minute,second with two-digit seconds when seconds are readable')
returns 10,40,14
